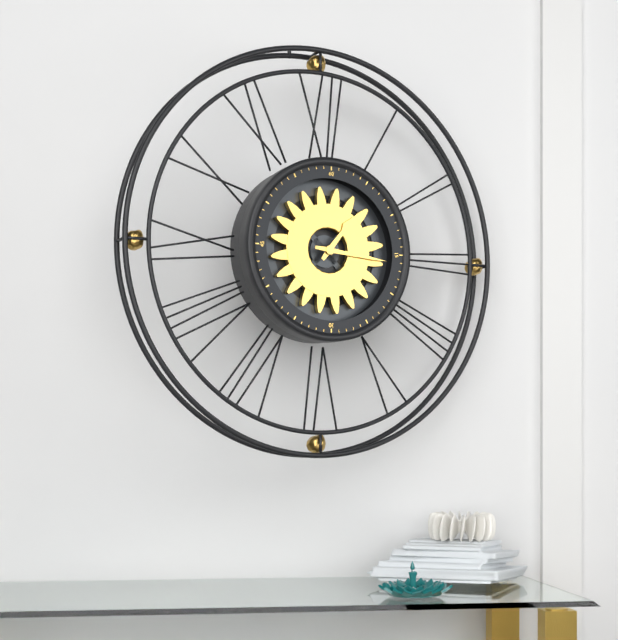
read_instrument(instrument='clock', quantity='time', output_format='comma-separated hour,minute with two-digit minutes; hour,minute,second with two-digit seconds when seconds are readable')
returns 1,16
